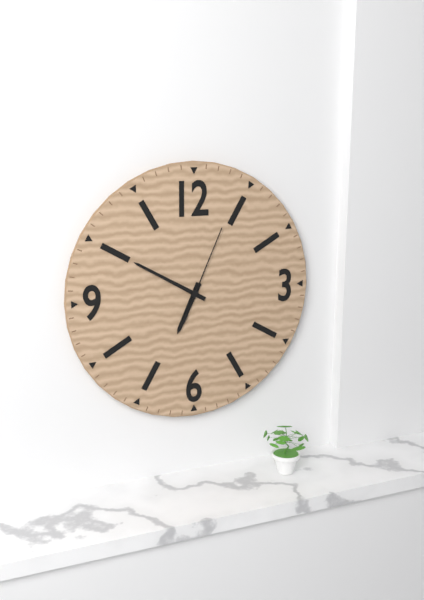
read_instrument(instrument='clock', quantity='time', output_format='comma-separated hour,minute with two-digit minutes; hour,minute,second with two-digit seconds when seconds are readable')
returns 6,50,04
